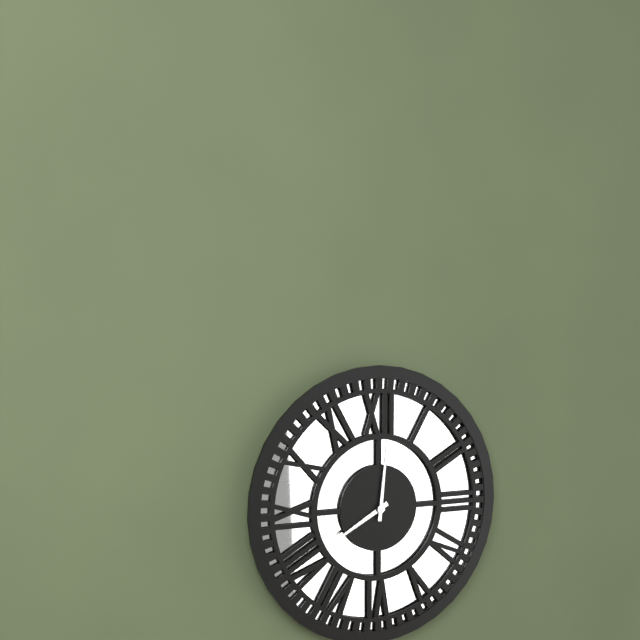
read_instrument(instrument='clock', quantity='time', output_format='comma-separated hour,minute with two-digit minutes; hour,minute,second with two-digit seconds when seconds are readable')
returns 8,01
